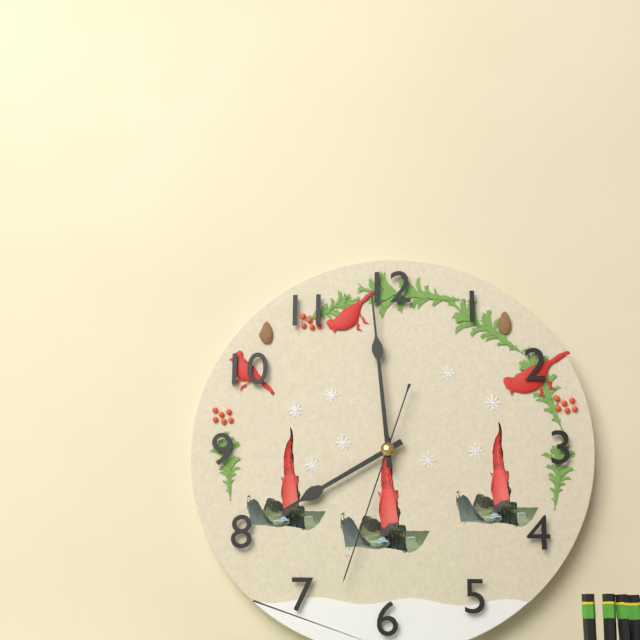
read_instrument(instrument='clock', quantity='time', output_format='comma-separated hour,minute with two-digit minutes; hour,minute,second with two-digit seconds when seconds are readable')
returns 7,59,33
